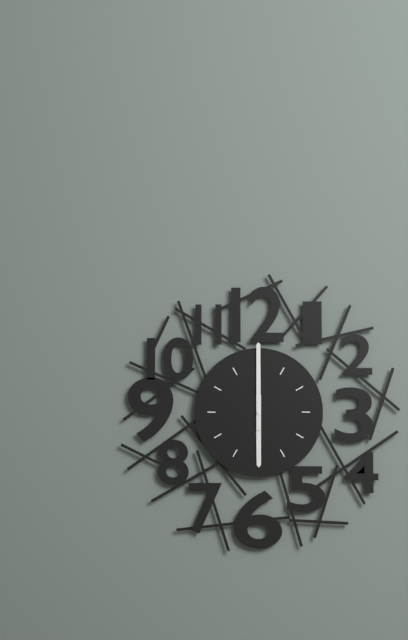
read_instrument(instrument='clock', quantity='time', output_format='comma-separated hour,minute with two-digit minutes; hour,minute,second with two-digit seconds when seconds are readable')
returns 6,00
